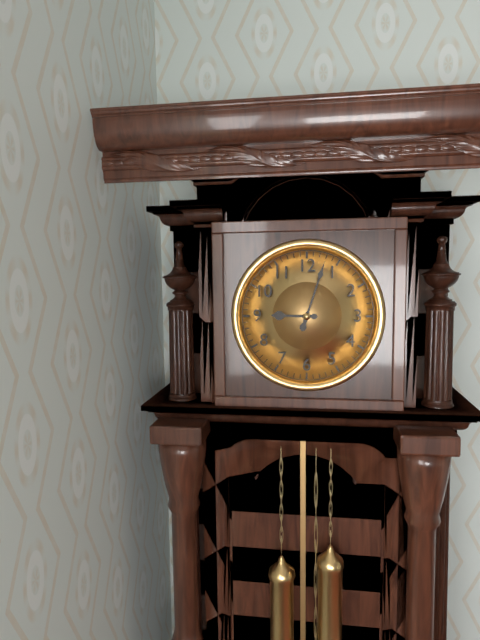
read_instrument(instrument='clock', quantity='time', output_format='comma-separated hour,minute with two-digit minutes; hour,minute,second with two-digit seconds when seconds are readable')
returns 9,03
